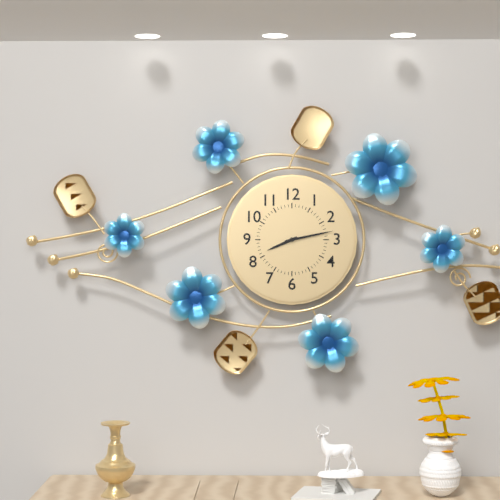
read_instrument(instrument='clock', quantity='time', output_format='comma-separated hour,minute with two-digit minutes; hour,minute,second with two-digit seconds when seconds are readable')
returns 8,13
